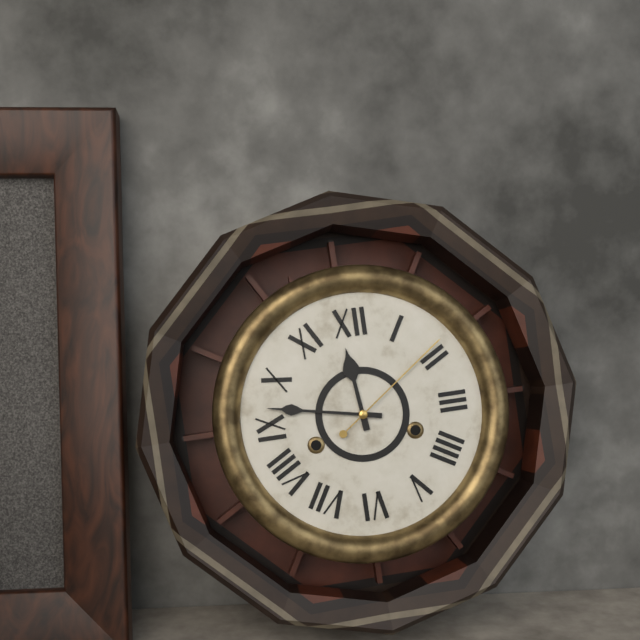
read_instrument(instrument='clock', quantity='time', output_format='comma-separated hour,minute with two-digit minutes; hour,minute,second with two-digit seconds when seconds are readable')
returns 11,47,09
